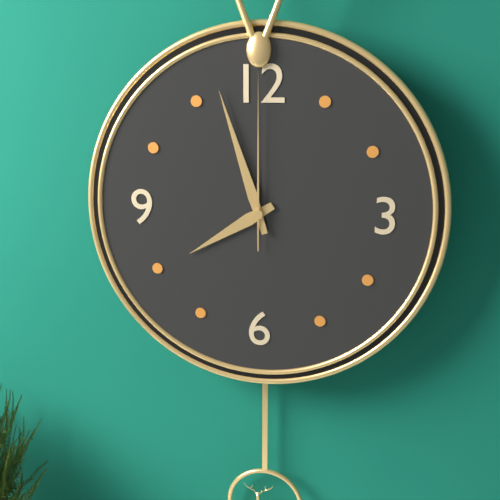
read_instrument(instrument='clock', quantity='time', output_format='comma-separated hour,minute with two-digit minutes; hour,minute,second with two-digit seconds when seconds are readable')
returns 7,57,00
